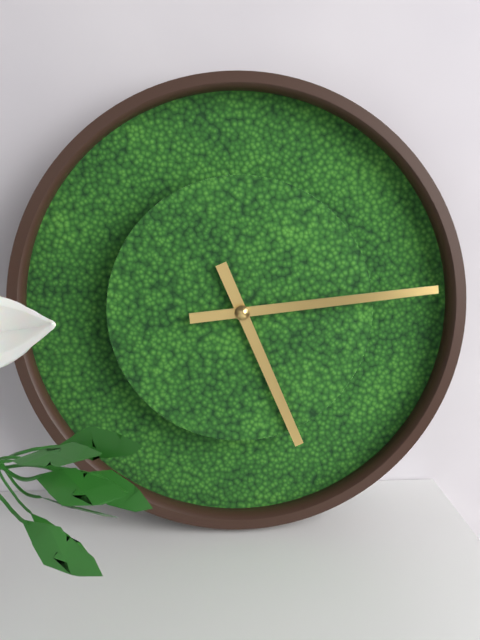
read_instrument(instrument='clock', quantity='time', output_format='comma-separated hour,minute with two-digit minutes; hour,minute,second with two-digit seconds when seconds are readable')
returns 5,14
